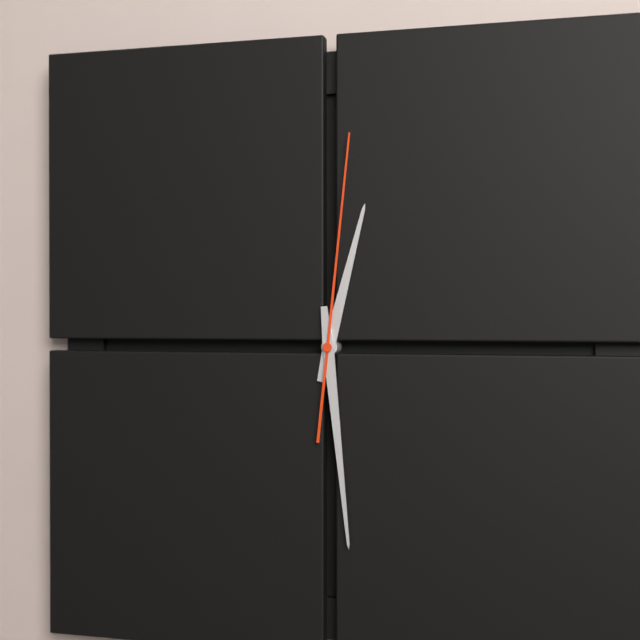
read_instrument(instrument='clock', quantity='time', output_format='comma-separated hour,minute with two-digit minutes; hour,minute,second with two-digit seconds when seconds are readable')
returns 12,29,01
